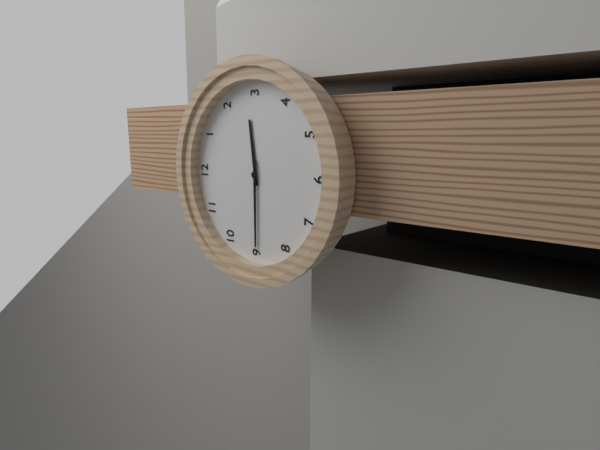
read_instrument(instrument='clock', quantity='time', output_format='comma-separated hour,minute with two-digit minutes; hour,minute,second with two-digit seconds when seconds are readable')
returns 2,45
